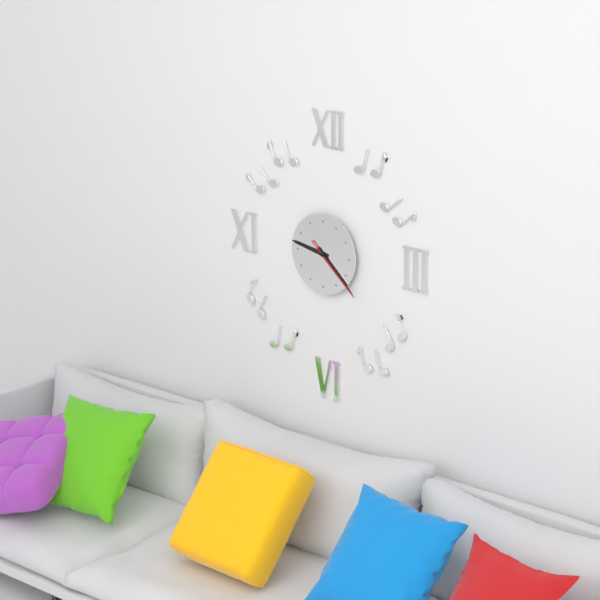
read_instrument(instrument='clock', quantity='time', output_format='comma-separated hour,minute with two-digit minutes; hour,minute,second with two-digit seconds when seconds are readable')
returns 9,22,22
